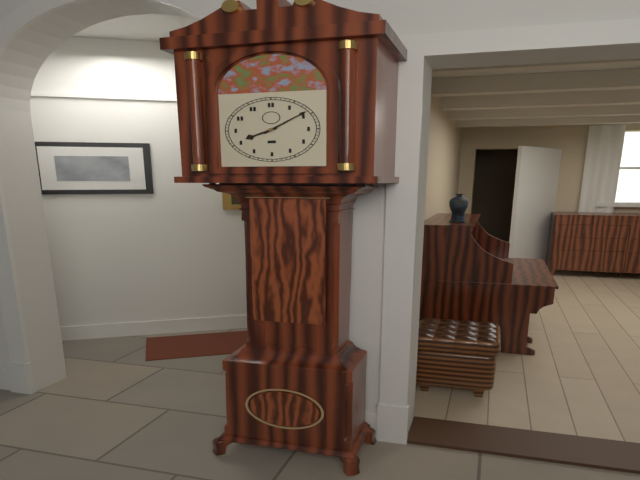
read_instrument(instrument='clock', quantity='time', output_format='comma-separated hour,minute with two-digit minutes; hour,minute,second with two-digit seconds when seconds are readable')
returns 8,09
